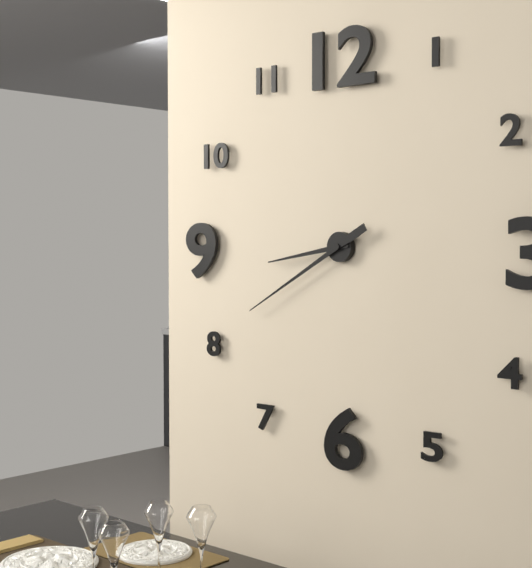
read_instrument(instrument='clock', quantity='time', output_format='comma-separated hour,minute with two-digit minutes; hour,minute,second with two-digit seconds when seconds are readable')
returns 8,40
